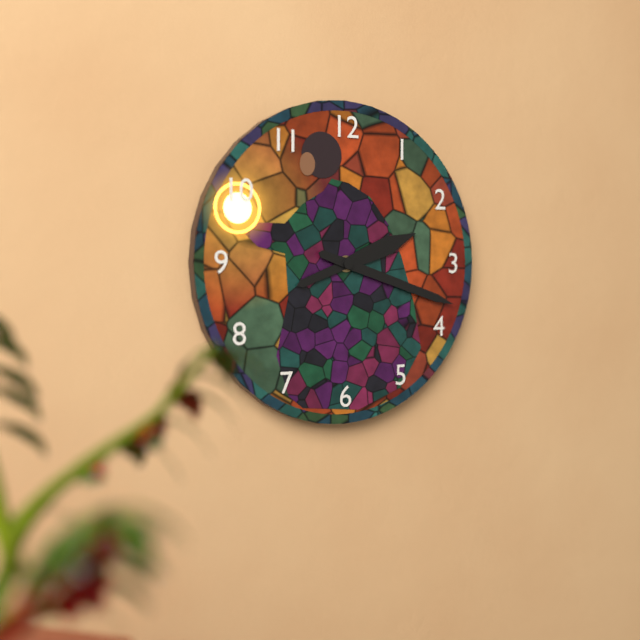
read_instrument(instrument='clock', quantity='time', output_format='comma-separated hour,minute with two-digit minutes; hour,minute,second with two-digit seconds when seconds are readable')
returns 2,18
